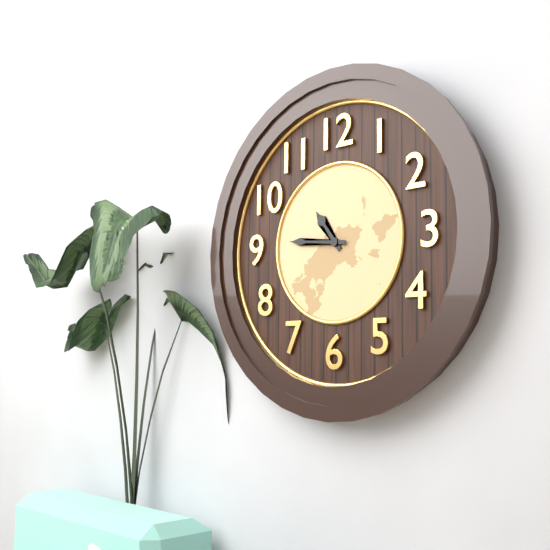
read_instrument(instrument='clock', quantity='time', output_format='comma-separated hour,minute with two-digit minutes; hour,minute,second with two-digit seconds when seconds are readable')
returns 10,46
